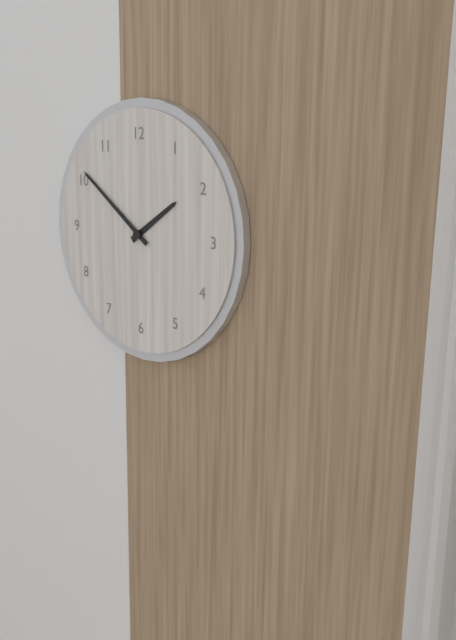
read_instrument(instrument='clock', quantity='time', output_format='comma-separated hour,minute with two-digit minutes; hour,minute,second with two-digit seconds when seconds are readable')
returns 1,51
